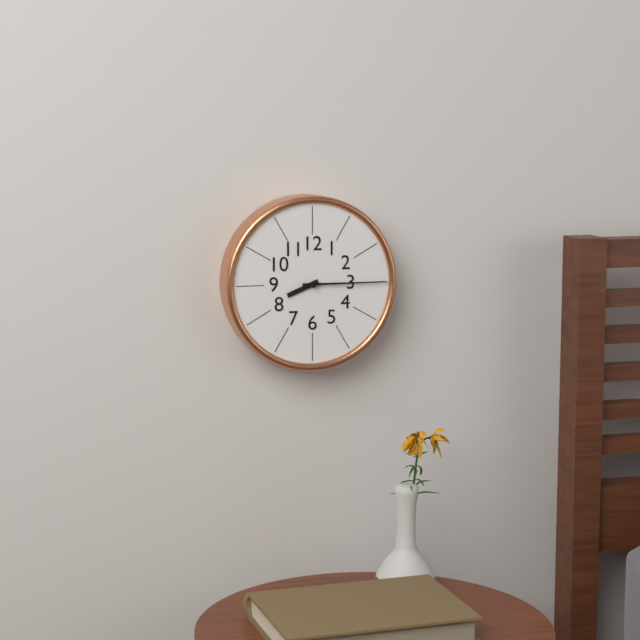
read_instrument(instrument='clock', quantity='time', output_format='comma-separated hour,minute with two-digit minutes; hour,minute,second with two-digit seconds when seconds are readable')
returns 8,15
